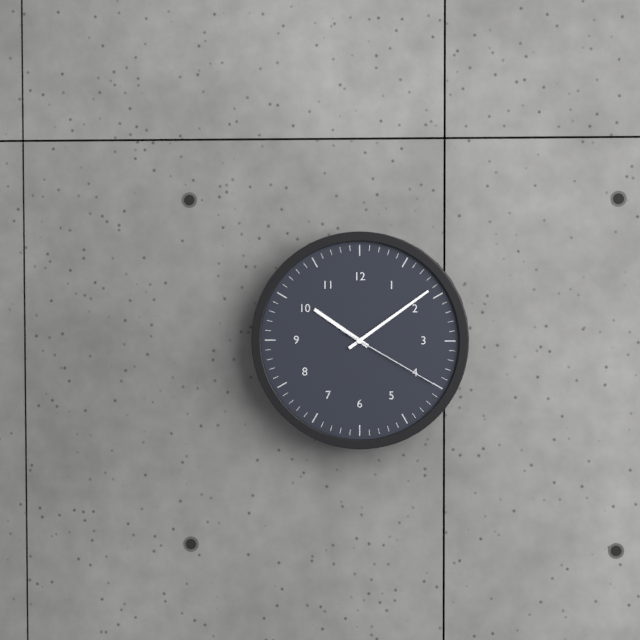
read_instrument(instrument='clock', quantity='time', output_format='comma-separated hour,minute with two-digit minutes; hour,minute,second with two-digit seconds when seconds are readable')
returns 10,09,20
